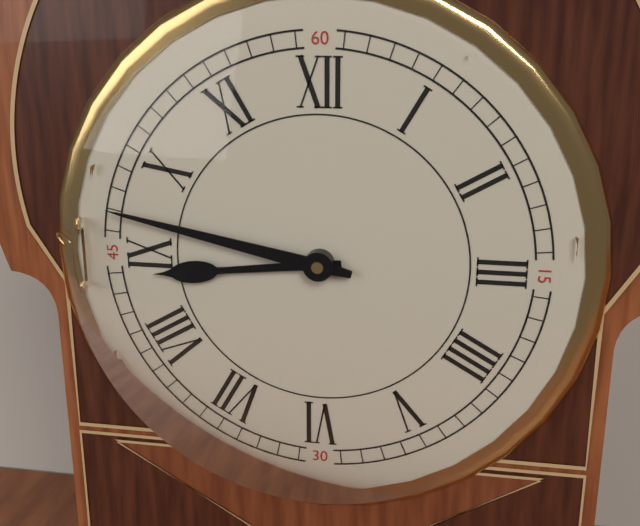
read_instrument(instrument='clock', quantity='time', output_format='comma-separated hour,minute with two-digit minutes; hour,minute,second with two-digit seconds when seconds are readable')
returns 8,47
